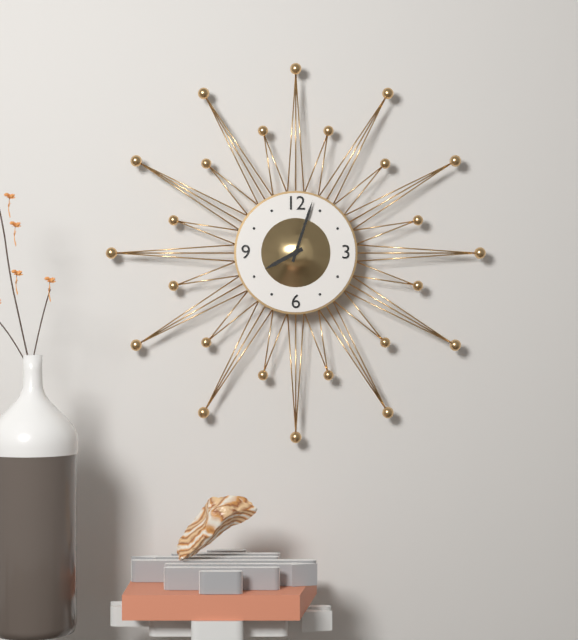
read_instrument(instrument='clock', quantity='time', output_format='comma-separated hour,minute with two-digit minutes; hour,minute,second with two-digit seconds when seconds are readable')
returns 8,03
